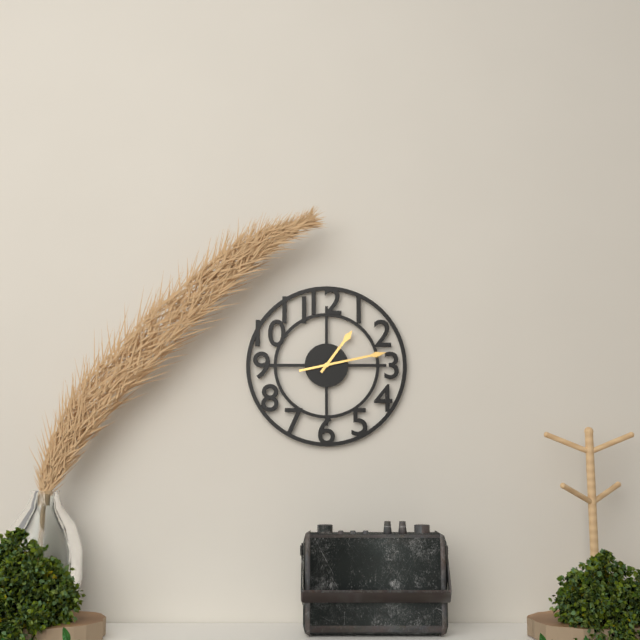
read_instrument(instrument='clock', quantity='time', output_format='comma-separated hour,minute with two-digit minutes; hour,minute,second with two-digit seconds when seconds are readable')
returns 1,13
